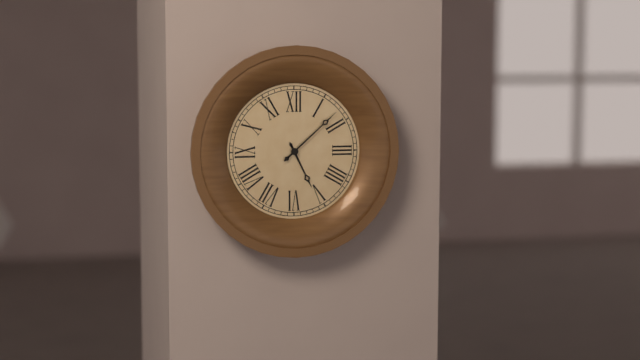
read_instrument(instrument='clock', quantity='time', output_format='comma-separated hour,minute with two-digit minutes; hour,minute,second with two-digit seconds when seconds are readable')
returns 5,08
